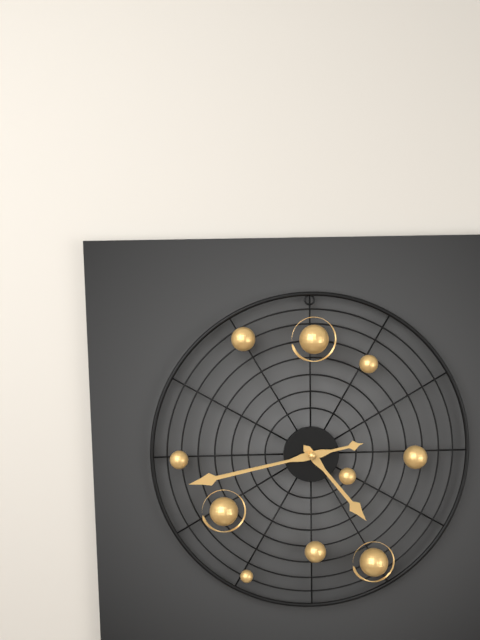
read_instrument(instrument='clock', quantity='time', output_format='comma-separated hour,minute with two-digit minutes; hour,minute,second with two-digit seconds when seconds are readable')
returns 4,43
